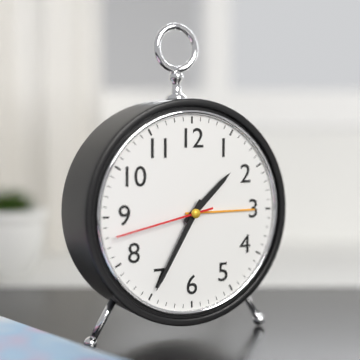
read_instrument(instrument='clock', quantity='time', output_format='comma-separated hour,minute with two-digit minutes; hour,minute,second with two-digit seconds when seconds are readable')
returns 1,35,43
